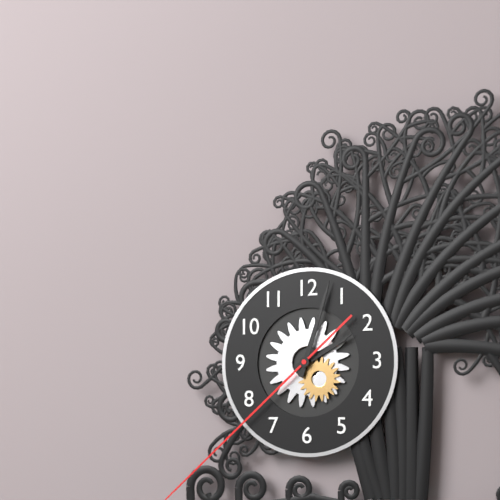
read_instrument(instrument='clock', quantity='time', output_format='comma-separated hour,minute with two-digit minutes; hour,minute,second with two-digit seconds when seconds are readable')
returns 2,03
